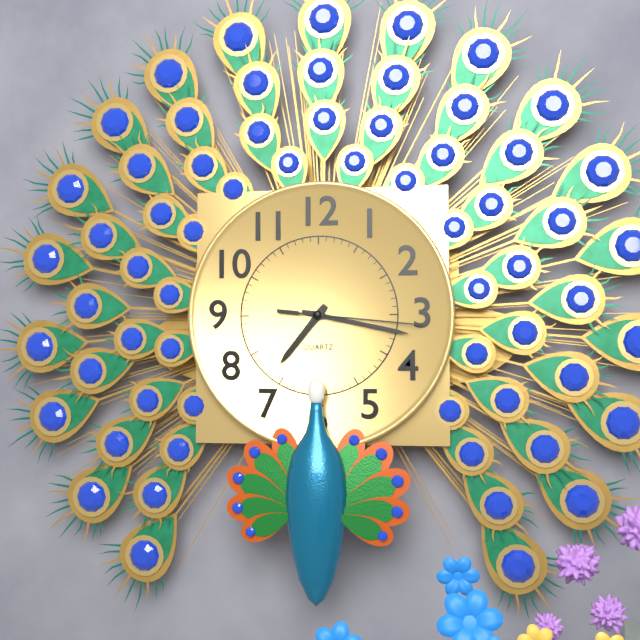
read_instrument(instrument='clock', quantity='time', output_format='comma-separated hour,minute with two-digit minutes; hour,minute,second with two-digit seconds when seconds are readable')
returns 7,17,16
